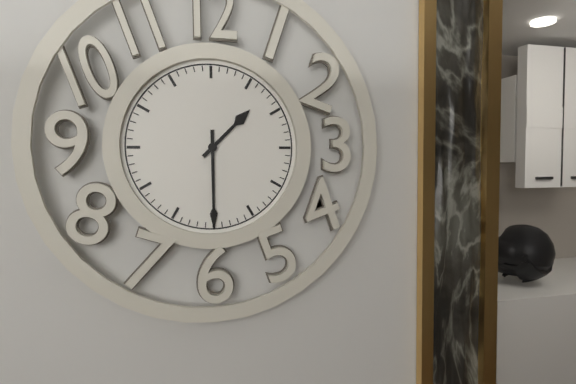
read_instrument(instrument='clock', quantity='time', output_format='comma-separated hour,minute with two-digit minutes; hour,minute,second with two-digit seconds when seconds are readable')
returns 1,30
